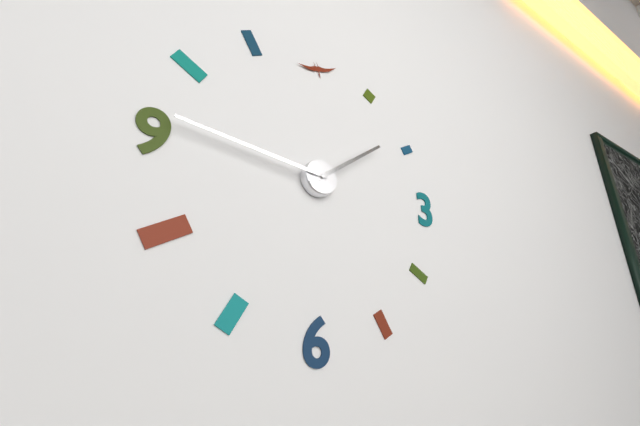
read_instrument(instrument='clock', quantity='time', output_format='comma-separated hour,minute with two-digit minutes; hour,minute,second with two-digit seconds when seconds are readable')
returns 1,46
